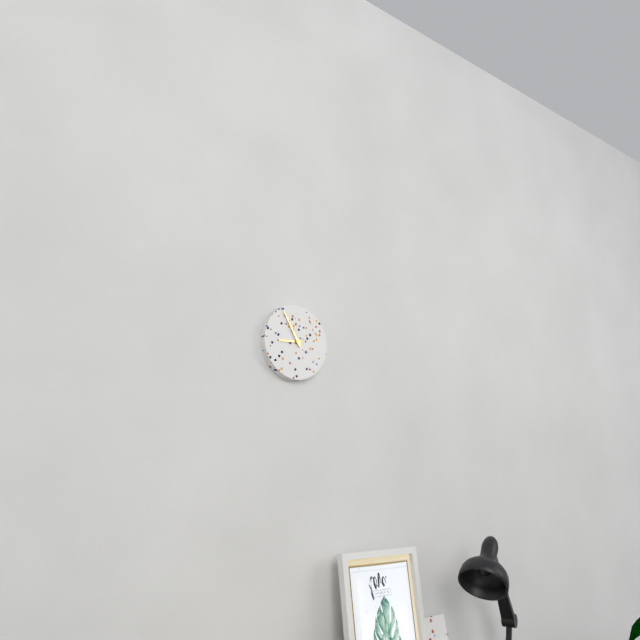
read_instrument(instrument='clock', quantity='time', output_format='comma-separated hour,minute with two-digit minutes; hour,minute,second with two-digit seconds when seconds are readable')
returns 8,55
